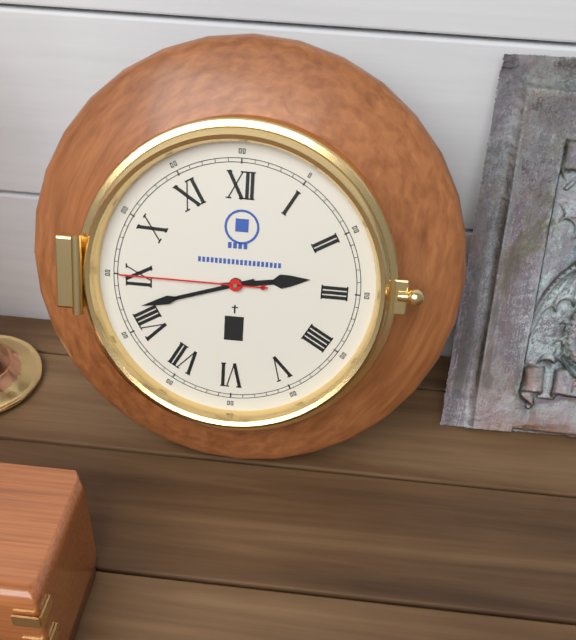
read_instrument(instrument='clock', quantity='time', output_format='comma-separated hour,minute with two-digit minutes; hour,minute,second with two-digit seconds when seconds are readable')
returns 2,42,45
